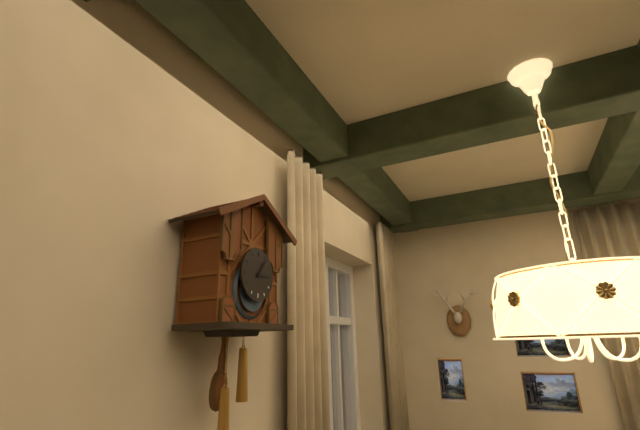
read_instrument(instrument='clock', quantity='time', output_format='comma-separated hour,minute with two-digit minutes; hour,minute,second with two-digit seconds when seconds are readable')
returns 3,06
